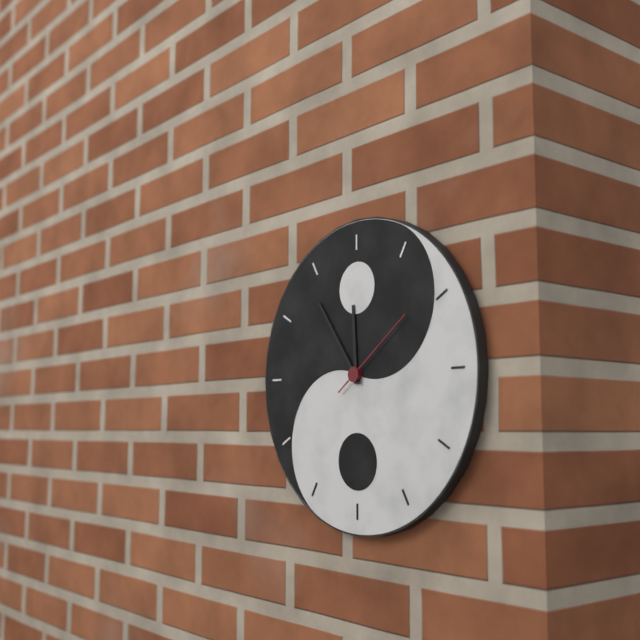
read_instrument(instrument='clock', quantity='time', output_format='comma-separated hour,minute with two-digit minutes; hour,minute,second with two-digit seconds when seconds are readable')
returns 11,54,09
